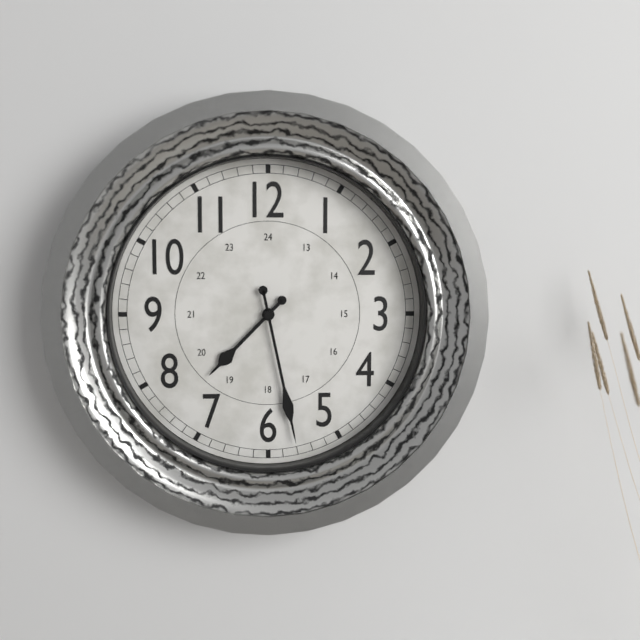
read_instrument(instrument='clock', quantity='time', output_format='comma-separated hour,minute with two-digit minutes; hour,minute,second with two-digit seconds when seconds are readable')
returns 7,28
